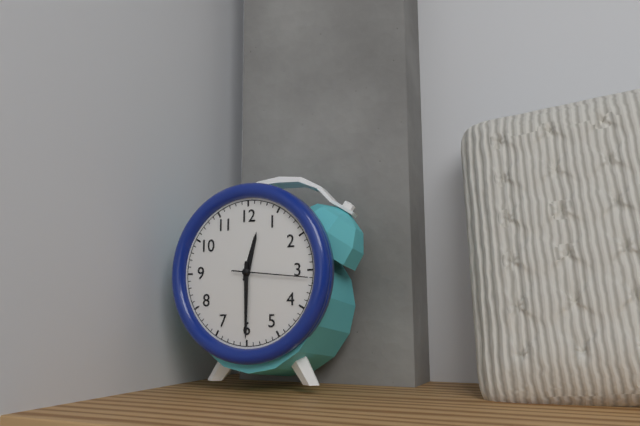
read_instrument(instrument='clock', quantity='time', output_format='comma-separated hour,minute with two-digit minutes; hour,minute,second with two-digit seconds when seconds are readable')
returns 12,30,16
